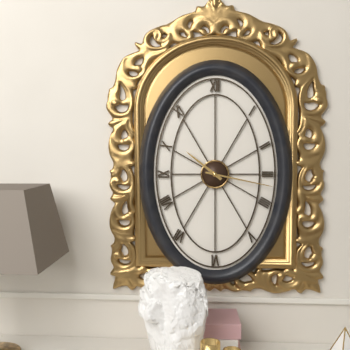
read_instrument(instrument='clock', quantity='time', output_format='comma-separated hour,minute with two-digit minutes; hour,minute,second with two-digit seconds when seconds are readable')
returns 10,17
